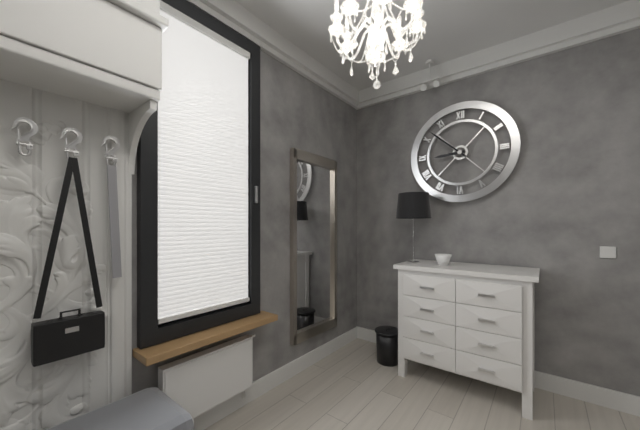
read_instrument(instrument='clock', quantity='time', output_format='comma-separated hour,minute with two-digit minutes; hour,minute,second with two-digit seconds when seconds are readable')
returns 8,52
